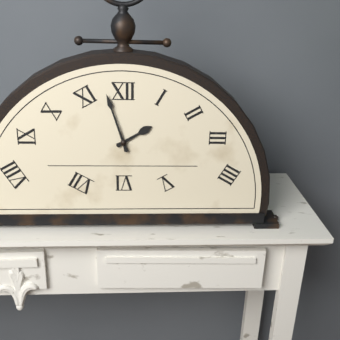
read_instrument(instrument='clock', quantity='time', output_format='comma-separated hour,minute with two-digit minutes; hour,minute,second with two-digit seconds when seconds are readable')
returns 1,57
